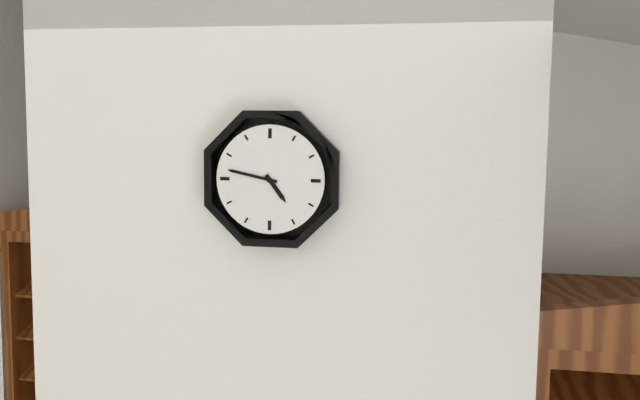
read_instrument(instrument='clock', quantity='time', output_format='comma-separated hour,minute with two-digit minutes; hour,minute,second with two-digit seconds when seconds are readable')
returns 4,47
